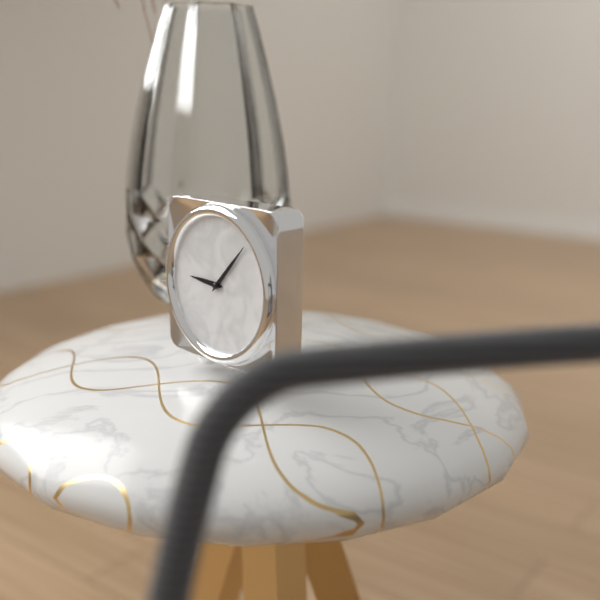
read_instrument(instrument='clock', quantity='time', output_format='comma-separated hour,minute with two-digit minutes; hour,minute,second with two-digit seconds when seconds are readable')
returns 9,07
